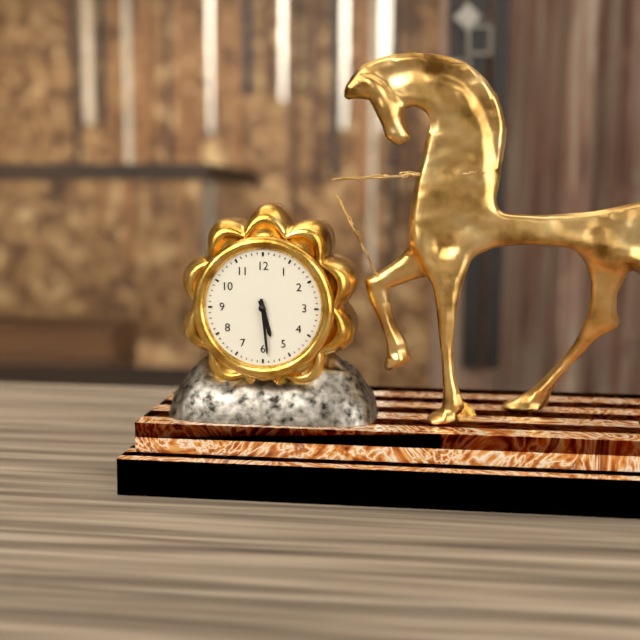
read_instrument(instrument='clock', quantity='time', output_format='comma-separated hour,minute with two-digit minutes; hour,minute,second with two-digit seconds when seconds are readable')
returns 5,29
